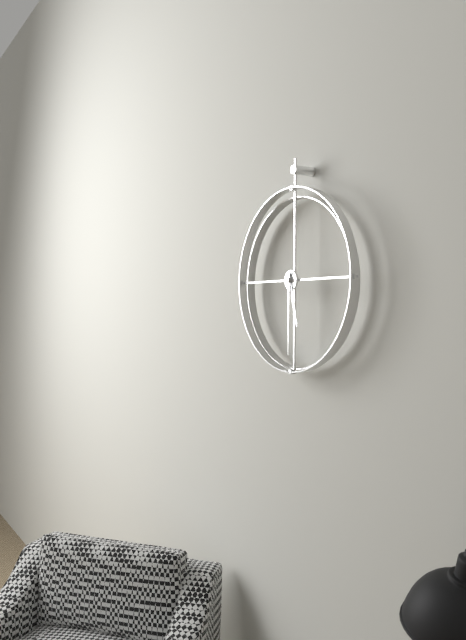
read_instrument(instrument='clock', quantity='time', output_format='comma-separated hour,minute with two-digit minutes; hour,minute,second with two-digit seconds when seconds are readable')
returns 5,30
